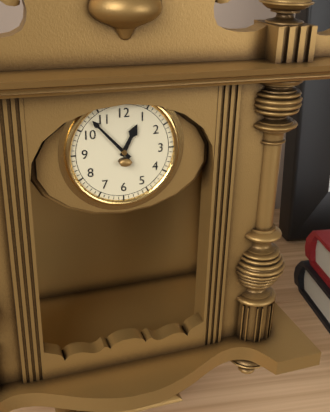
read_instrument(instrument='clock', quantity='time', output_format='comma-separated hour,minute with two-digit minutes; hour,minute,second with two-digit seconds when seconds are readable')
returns 12,53
